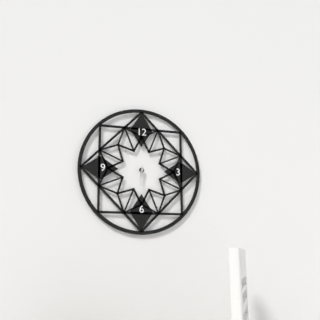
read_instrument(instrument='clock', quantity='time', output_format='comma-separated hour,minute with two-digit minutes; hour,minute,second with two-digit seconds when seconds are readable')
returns 6,31
